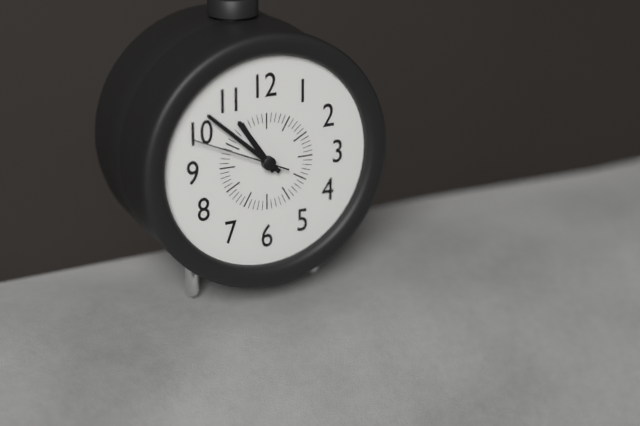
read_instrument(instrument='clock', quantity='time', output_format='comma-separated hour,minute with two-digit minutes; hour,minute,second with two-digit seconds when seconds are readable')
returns 10,52,49
